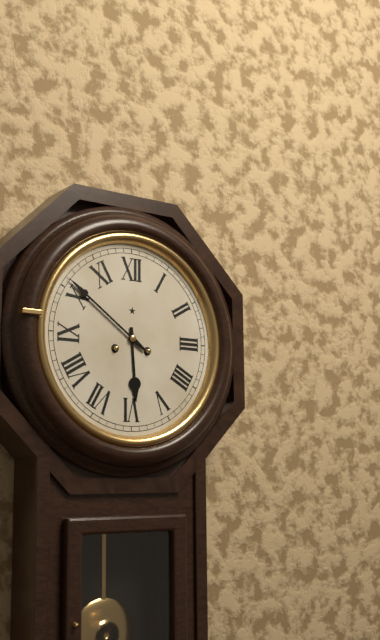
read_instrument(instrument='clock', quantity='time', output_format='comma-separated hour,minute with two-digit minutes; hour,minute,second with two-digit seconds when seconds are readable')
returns 5,51
